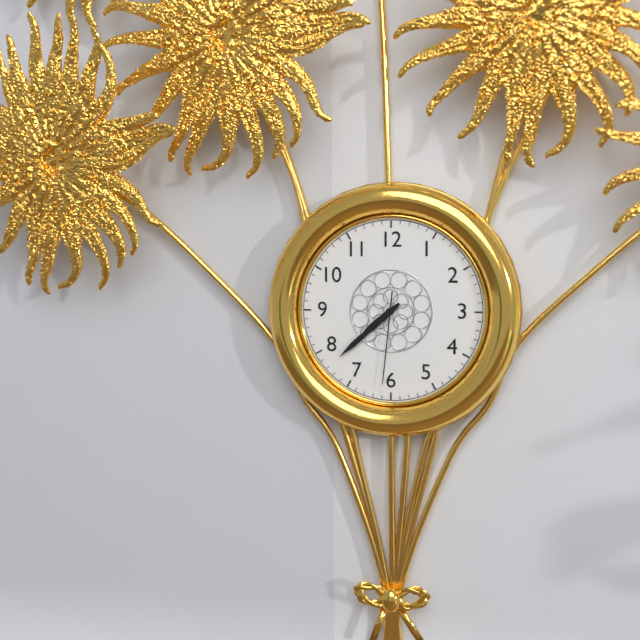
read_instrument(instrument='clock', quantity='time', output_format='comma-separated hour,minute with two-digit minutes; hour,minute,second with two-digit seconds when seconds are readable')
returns 7,38,31
